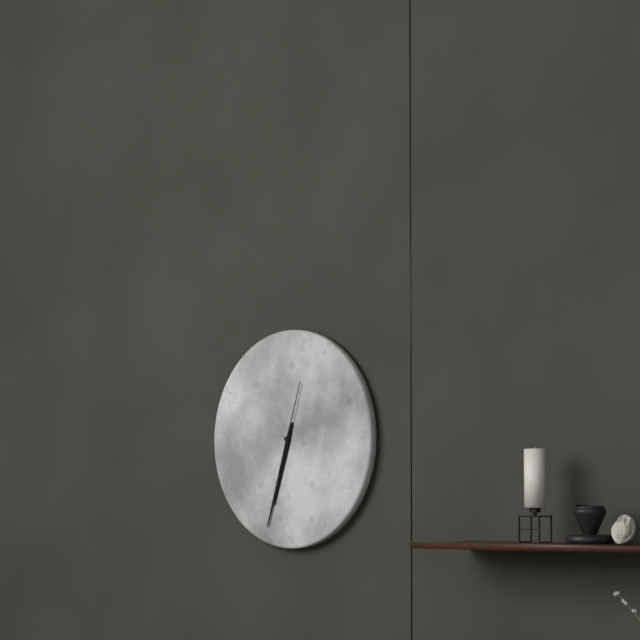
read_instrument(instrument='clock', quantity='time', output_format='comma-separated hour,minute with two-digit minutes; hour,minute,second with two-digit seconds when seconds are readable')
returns 6,33,03
